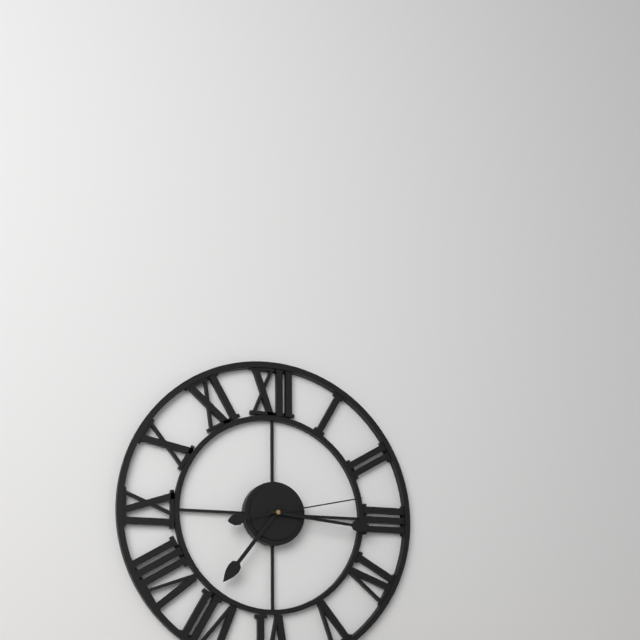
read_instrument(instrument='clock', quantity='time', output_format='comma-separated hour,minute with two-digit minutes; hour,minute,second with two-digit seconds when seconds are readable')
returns 7,16,13
